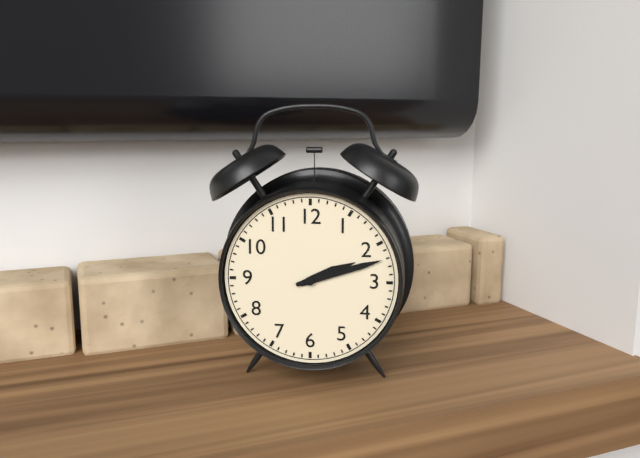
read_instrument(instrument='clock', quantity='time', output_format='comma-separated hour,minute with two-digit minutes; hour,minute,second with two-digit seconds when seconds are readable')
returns 2,12
